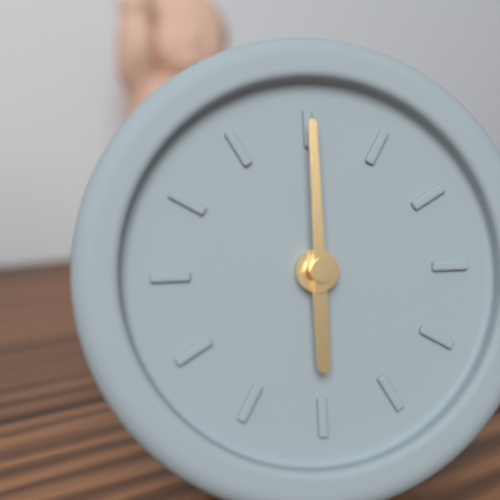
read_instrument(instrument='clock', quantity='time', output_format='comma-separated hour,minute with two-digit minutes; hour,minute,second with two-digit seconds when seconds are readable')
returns 6,00
